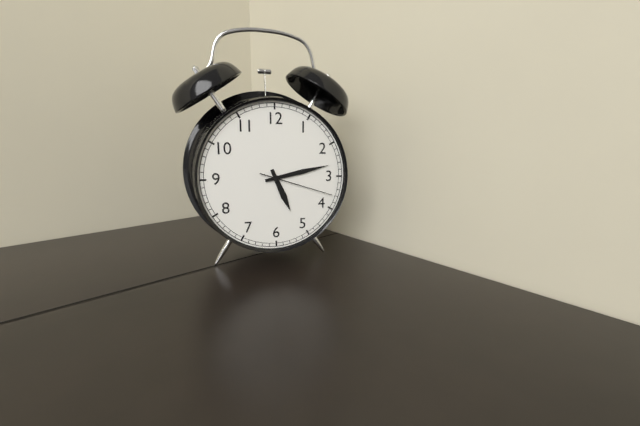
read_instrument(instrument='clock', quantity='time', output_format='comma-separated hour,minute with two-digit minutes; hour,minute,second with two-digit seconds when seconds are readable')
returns 5,13,18
